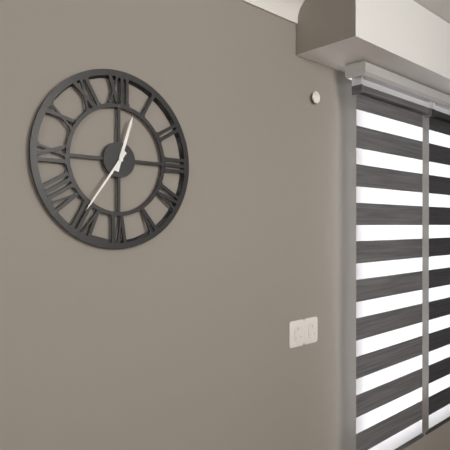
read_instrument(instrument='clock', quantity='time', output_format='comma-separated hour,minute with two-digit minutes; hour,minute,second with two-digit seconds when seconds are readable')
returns 12,36
